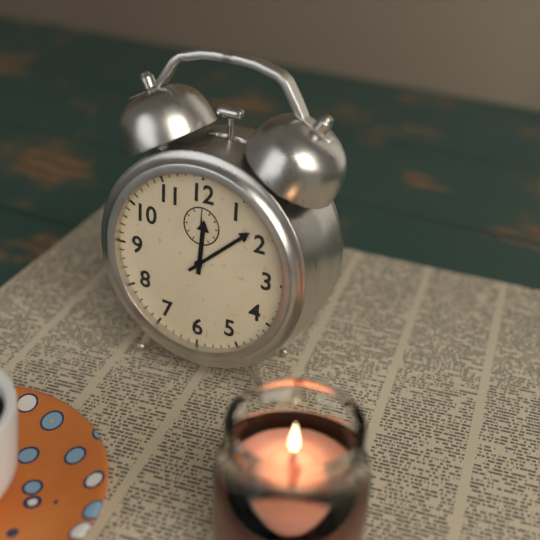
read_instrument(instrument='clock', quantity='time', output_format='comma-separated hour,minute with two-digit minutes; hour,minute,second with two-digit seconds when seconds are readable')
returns 12,08
